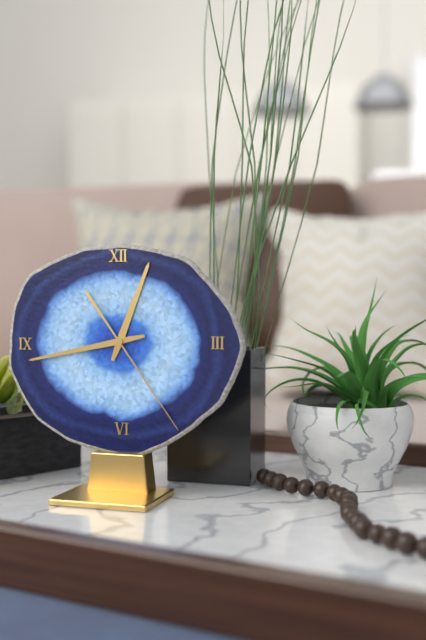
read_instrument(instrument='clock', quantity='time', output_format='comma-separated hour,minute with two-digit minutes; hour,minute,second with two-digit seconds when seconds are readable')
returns 12,43,24
